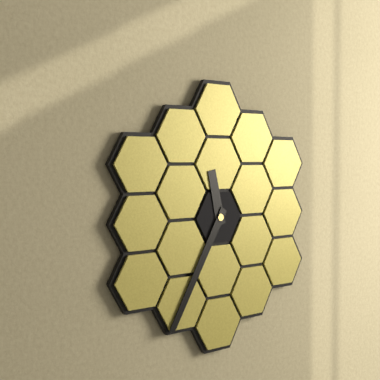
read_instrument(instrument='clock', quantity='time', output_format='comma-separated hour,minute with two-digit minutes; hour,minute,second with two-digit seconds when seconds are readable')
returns 11,35
